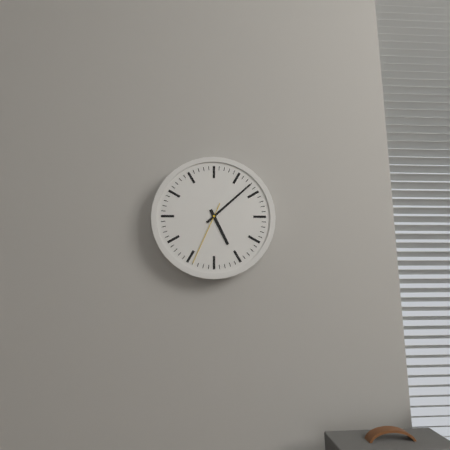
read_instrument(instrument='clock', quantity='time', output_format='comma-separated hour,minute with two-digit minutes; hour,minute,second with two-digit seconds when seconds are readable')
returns 5,08,34
